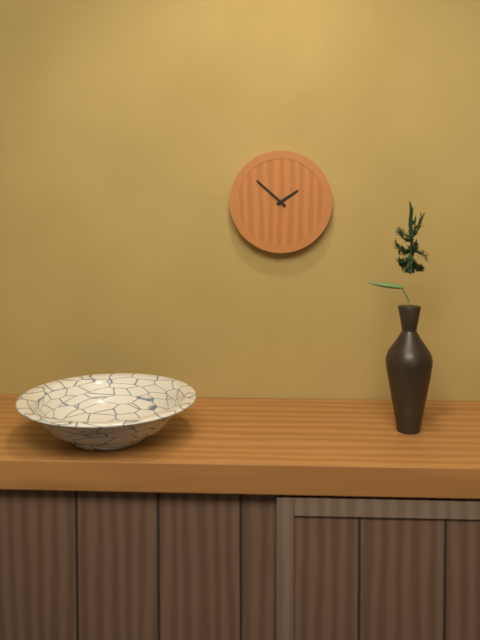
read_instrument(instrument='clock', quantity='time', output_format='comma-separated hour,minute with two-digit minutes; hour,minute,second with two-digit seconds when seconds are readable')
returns 1,52
